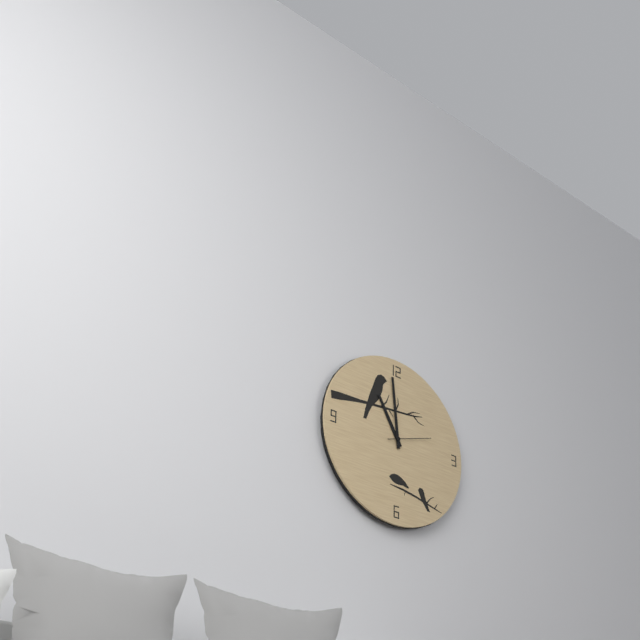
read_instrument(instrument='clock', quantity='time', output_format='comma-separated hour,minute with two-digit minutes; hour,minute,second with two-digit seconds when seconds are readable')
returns 10,59
